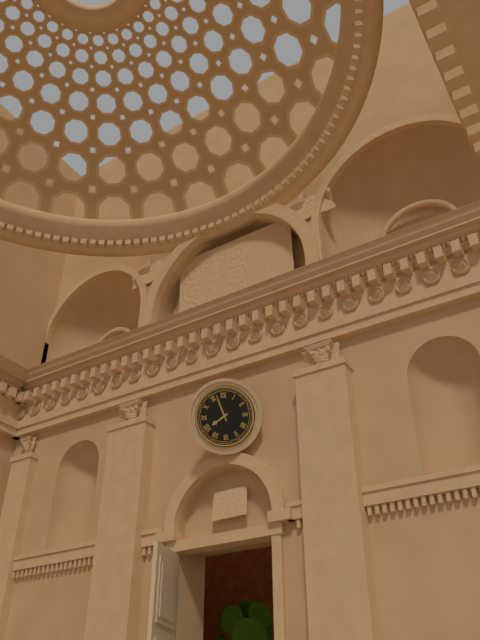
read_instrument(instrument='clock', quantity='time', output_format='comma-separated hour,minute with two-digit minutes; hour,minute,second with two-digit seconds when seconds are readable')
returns 7,57
